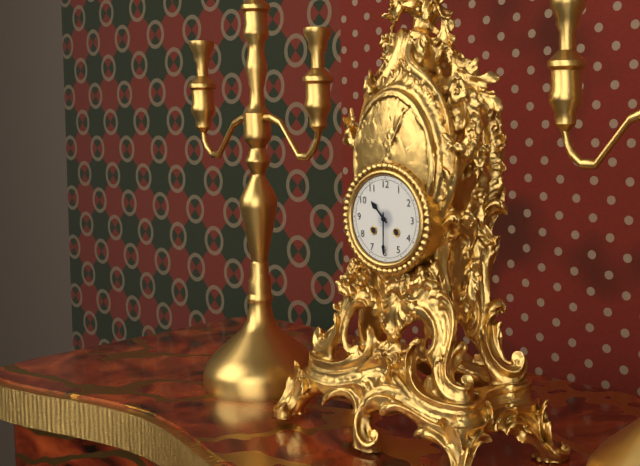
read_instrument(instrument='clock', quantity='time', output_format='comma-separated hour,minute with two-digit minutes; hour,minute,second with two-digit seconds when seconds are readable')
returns 10,30
